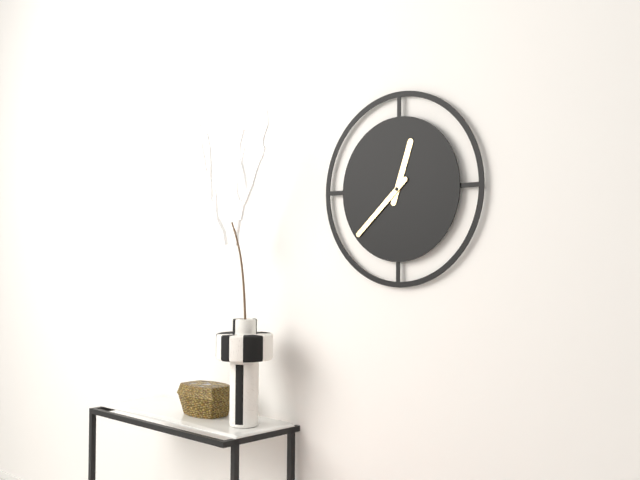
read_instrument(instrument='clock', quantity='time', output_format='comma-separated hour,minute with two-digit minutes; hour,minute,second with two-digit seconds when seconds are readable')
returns 12,38
